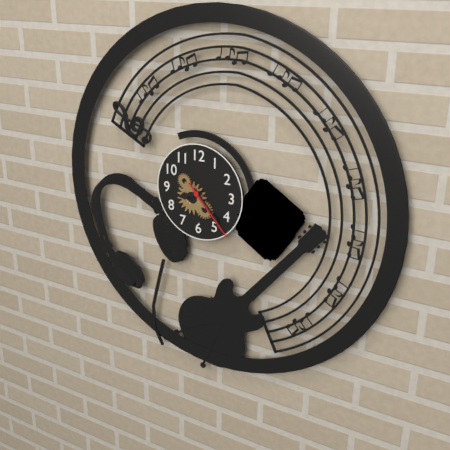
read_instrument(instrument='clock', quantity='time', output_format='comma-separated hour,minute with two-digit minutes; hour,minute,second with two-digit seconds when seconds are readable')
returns 8,23,23
